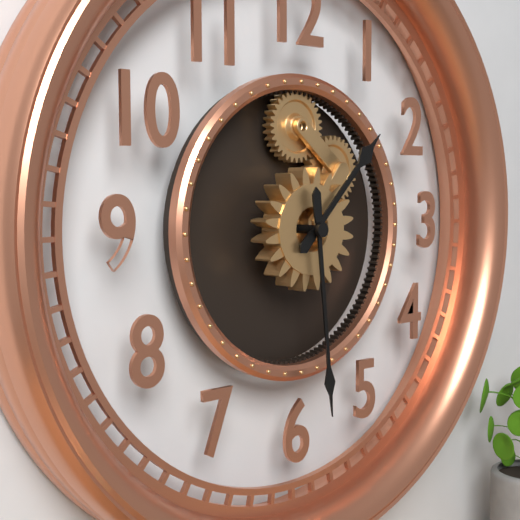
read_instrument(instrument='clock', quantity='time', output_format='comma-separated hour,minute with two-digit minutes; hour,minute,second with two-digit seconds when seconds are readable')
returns 1,29
